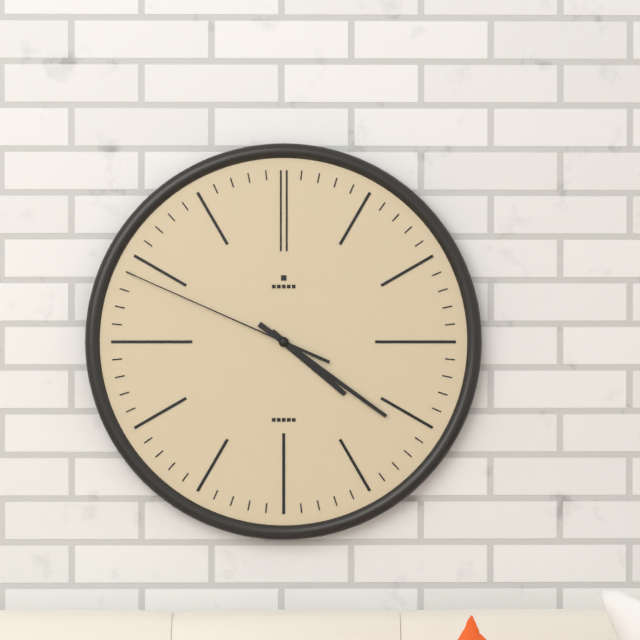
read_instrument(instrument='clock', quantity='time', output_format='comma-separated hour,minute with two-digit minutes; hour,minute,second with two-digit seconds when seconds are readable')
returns 4,21,49
